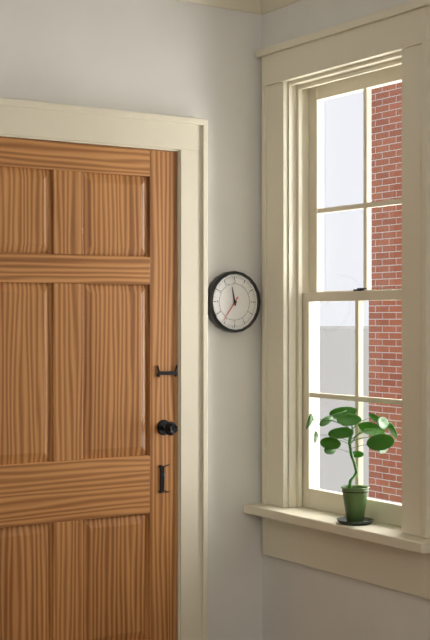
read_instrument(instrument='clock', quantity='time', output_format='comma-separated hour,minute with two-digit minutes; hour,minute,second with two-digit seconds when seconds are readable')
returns 11,36
